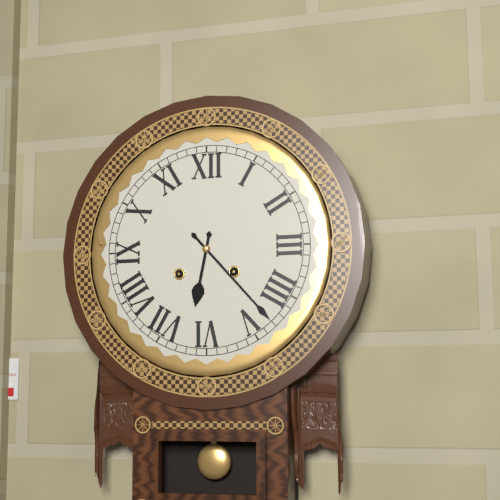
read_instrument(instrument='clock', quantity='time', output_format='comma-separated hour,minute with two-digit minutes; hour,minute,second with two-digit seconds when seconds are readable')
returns 6,23
